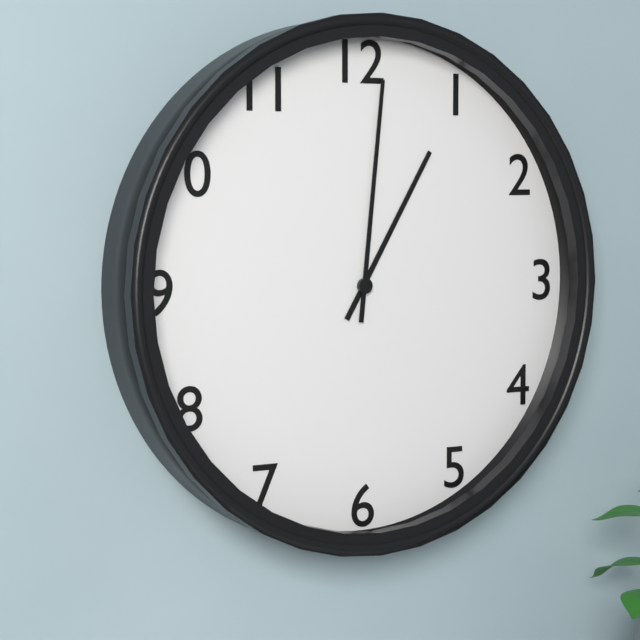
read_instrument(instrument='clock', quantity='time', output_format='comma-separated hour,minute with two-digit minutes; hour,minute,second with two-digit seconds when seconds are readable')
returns 1,01
